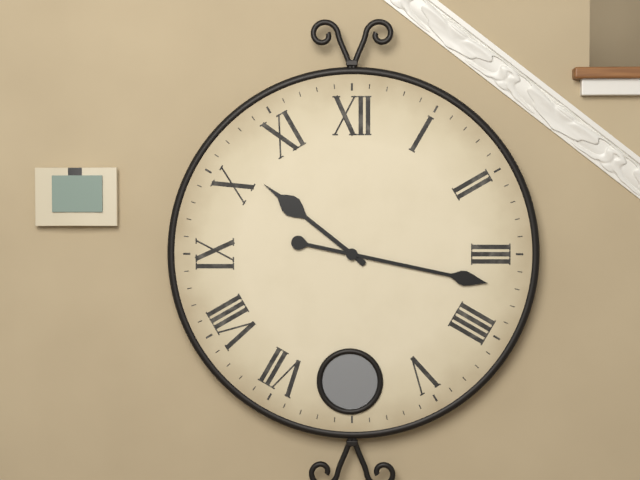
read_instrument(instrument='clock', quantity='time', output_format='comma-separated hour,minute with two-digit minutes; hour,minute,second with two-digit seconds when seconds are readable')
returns 10,17
